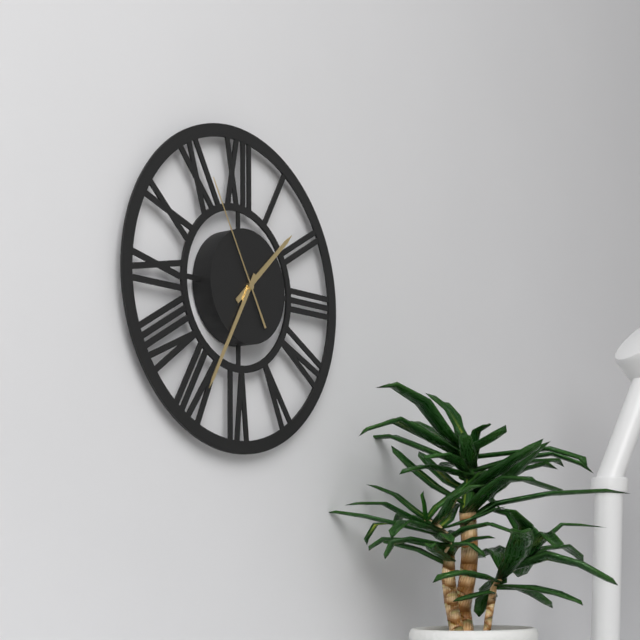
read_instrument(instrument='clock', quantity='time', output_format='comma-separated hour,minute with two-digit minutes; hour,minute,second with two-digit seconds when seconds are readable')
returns 1,35,55
